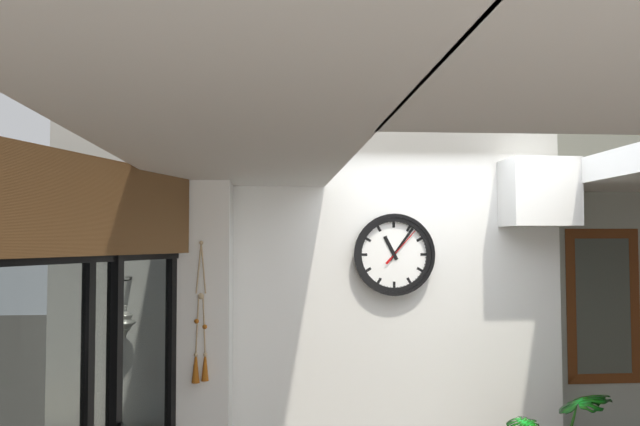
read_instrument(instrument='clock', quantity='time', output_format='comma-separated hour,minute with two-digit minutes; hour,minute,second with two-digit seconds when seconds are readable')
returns 11,06
